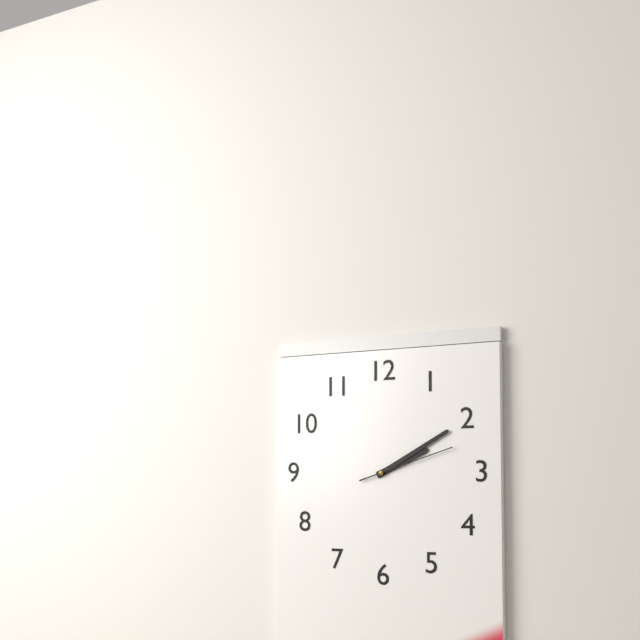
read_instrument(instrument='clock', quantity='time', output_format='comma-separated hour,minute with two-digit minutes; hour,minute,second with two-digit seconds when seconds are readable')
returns 2,10,12
